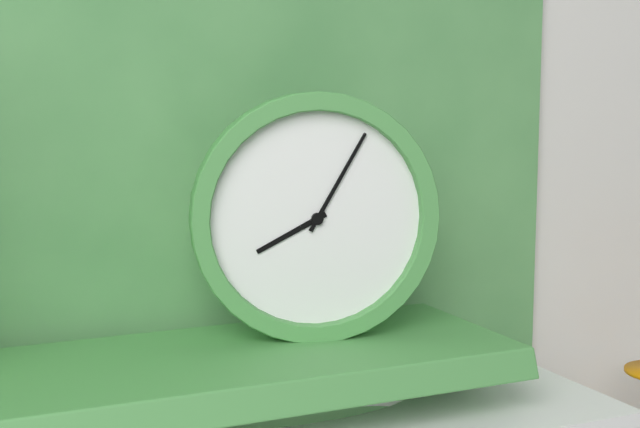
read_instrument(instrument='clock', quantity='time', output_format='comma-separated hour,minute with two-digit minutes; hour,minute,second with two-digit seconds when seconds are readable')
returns 8,05
